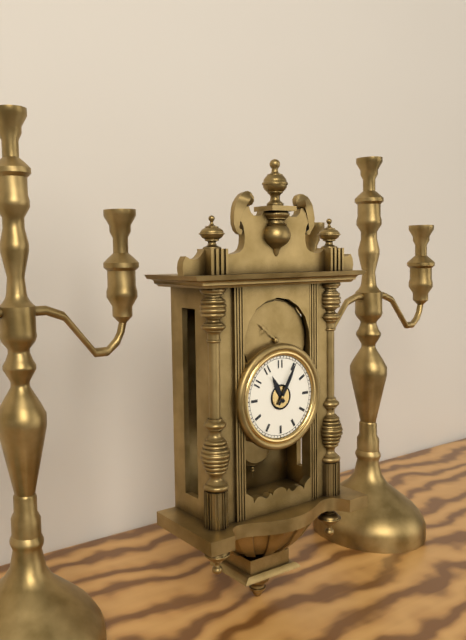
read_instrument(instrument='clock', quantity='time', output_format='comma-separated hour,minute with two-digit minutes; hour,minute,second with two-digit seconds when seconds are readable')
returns 11,05
